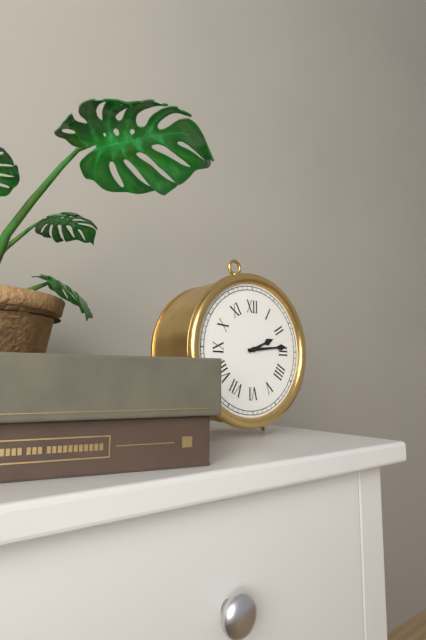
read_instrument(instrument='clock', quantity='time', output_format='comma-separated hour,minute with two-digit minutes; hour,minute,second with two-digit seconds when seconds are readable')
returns 2,14
